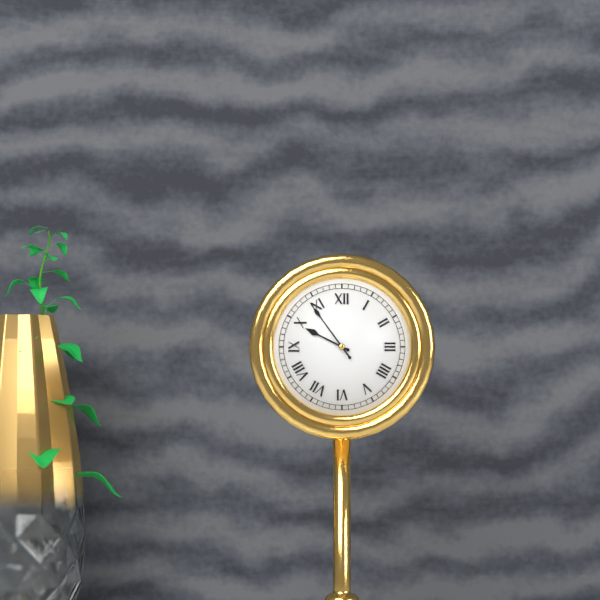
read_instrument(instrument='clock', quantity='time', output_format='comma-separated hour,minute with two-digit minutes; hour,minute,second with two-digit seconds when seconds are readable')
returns 9,54
